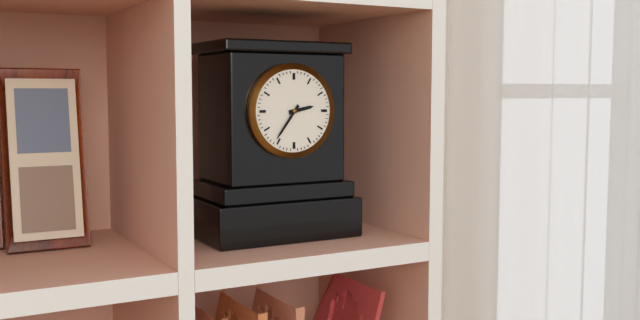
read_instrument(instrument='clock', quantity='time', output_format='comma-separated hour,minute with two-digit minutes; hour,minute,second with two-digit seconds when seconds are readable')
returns 2,36
